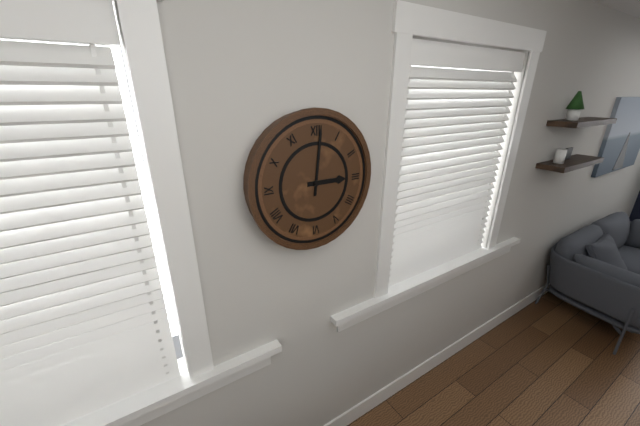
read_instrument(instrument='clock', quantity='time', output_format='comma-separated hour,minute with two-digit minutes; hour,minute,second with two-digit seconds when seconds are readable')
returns 3,01
